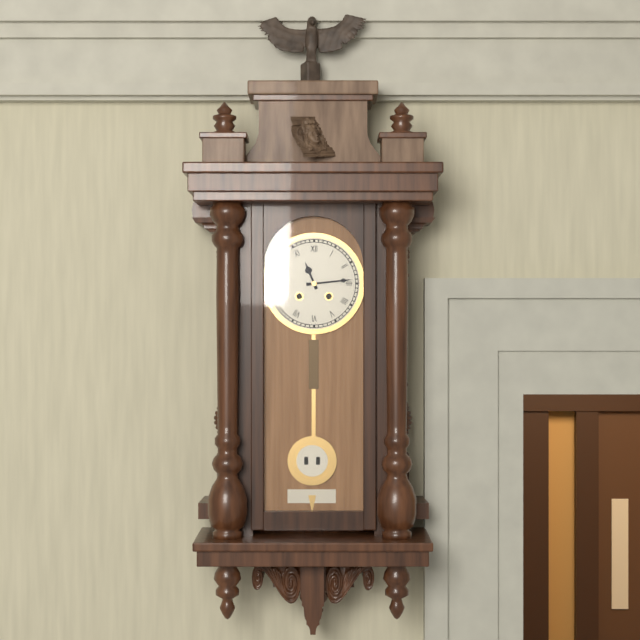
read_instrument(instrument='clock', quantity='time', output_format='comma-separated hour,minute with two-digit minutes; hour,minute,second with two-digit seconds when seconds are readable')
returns 11,14
